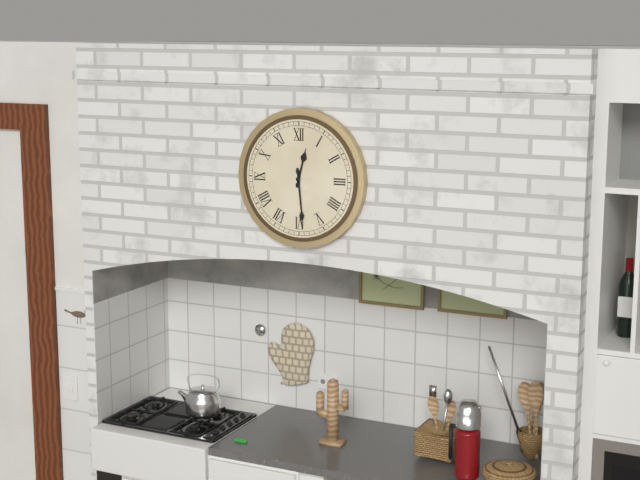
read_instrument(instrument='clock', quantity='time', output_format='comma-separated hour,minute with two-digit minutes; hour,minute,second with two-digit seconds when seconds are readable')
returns 12,29
